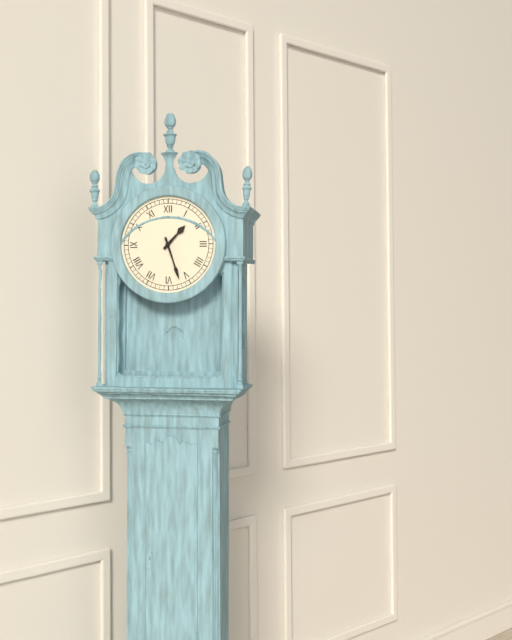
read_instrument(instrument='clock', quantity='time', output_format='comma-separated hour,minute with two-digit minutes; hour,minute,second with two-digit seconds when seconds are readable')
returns 1,27
